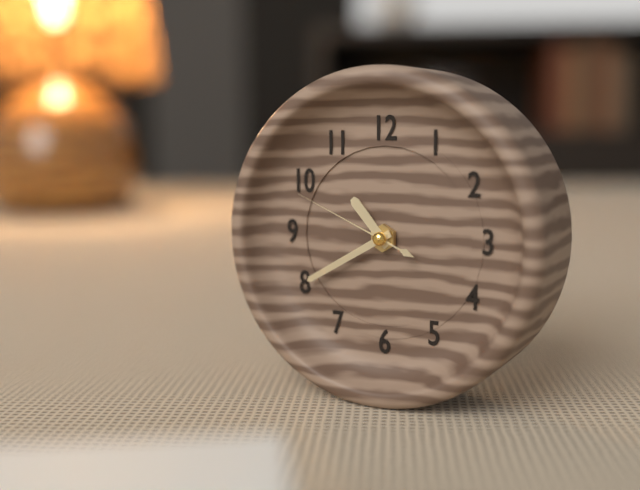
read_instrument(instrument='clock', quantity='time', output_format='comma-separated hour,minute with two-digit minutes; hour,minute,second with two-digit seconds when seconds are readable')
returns 10,40,49
